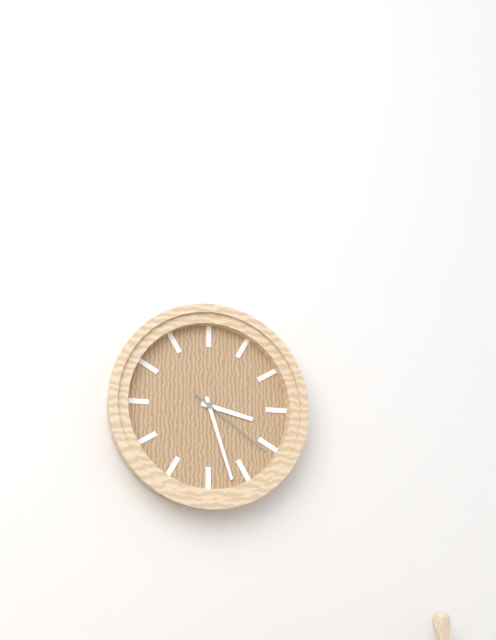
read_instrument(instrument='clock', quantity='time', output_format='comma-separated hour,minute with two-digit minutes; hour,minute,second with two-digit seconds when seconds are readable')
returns 3,27,21
